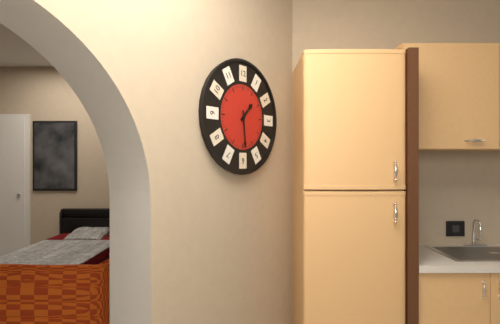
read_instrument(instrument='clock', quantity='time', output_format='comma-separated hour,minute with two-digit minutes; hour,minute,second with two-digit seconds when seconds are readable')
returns 1,29
